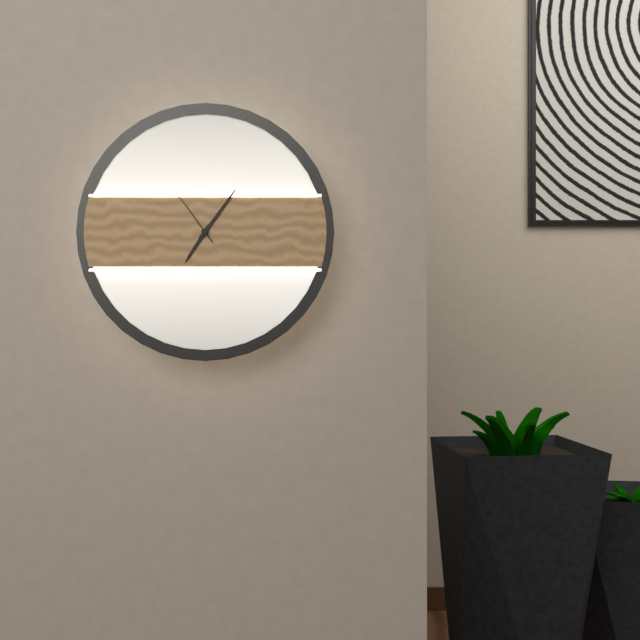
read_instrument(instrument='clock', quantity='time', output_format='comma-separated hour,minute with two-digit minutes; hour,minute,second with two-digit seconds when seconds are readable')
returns 7,06,54
